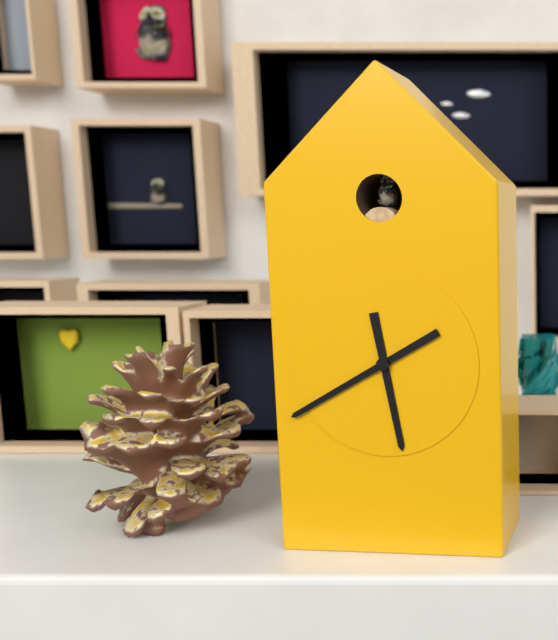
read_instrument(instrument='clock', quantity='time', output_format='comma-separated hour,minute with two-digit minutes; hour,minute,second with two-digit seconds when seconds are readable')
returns 5,40
